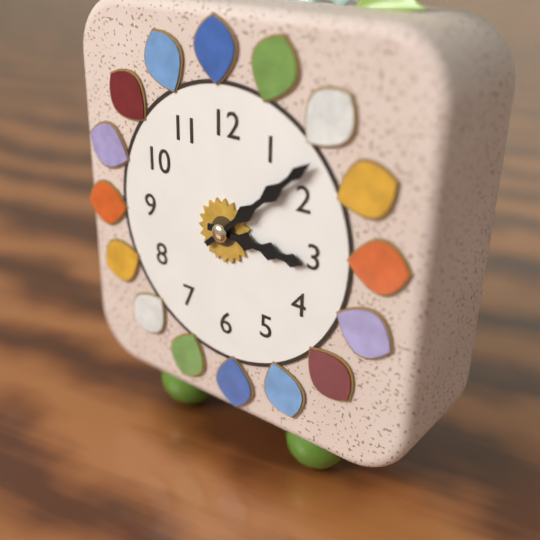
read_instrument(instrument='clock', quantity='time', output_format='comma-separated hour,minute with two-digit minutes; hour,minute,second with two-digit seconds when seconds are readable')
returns 3,08
